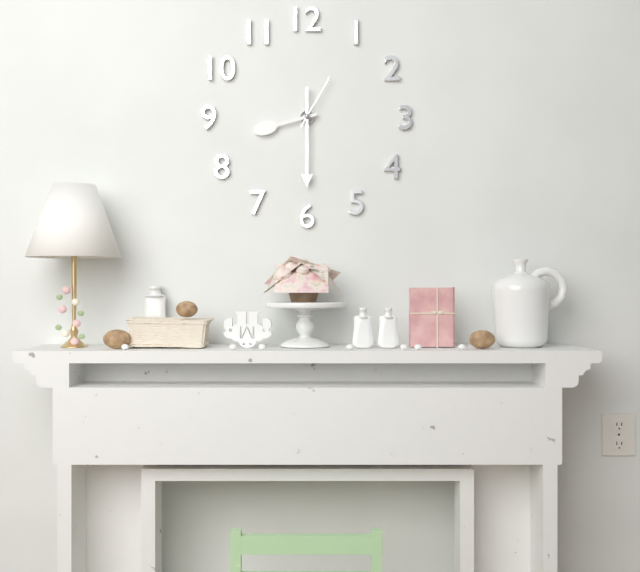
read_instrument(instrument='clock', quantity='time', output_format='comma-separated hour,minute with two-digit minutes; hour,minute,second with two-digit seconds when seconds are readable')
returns 8,30,05
